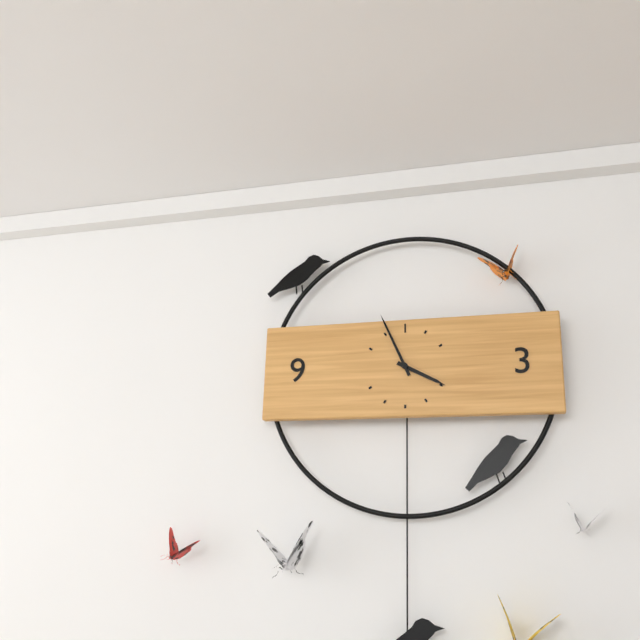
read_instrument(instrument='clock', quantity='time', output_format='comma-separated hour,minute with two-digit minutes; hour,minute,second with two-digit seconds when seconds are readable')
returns 3,56
